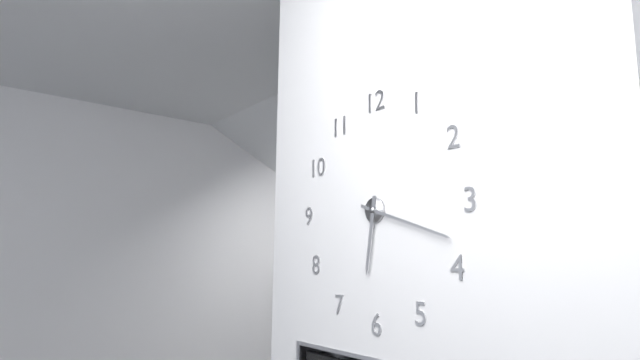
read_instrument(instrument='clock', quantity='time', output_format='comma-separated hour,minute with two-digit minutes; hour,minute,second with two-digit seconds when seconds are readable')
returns 6,18
